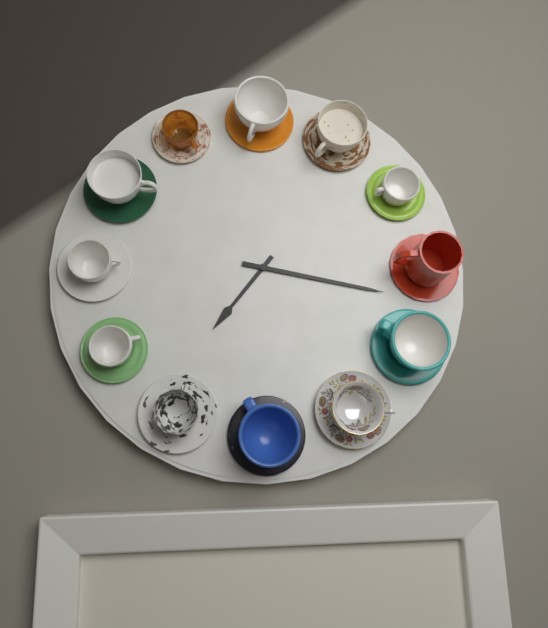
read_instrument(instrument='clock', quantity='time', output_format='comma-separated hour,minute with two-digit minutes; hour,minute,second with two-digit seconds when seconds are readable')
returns 7,17
